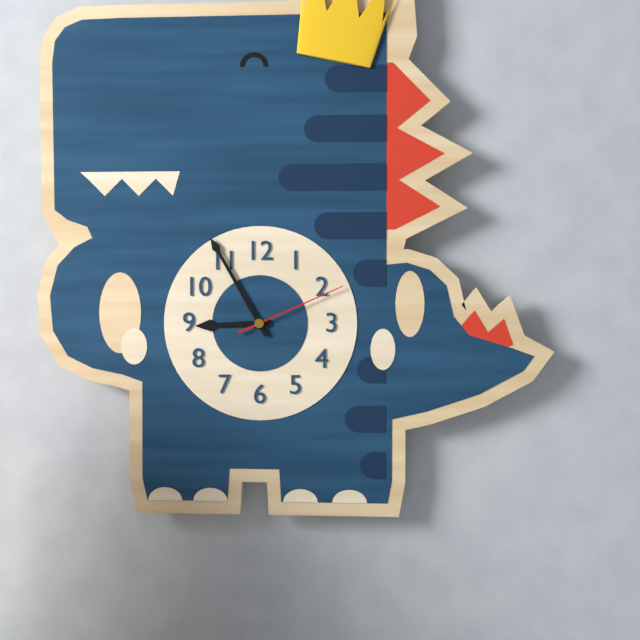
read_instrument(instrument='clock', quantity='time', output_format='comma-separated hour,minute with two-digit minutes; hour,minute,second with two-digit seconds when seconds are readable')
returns 8,55,11
